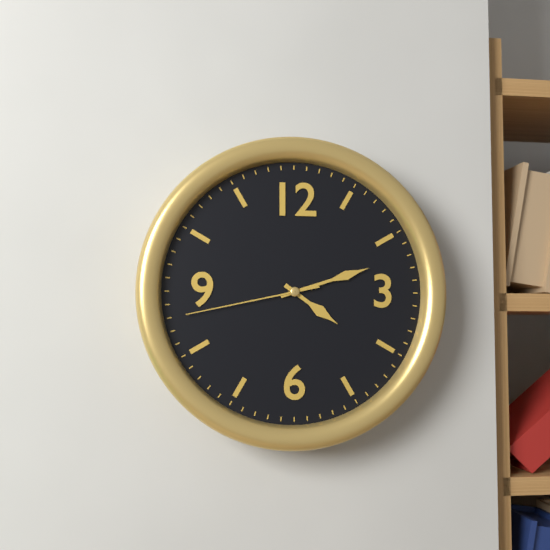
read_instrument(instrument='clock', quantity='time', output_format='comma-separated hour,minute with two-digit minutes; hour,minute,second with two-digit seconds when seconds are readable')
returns 4,12,43
